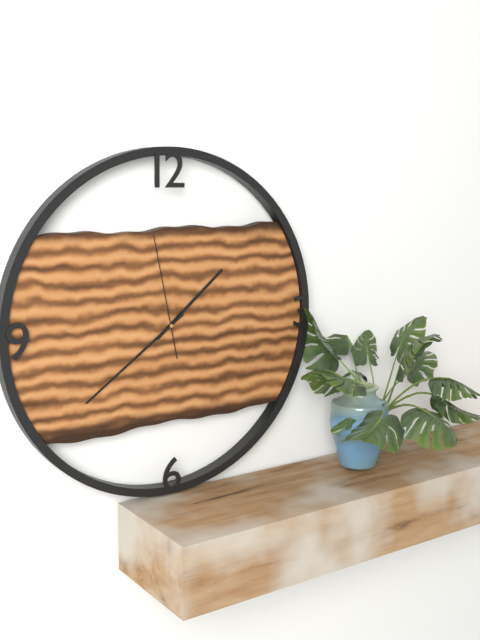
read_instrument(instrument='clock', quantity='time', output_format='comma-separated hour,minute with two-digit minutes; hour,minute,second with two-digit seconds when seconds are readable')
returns 1,39,58
